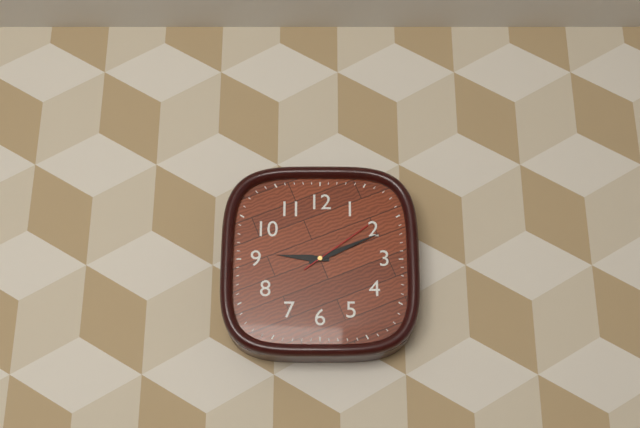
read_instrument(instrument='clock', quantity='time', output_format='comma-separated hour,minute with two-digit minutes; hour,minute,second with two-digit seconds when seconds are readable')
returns 9,11,09
